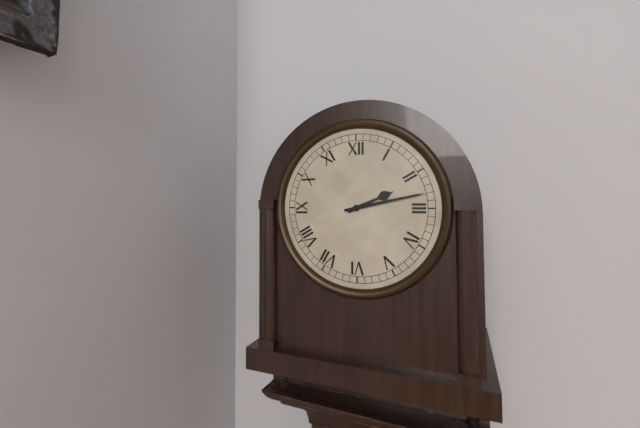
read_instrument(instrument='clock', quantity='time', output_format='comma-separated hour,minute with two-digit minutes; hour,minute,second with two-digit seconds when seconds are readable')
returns 2,13
